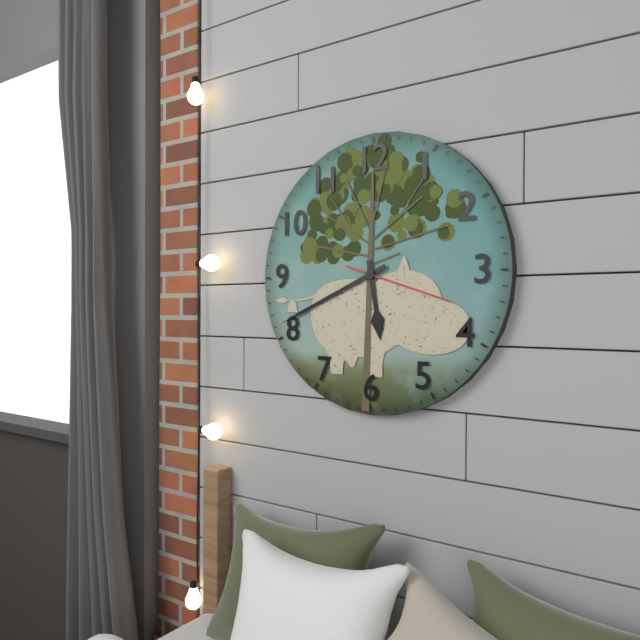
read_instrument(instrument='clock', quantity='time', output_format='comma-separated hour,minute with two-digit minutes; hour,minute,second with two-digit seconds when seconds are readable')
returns 5,41,18
